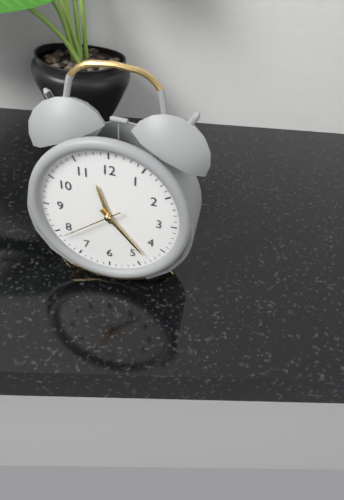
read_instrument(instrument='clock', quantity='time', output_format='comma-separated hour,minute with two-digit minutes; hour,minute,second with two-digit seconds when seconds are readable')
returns 11,23,39
